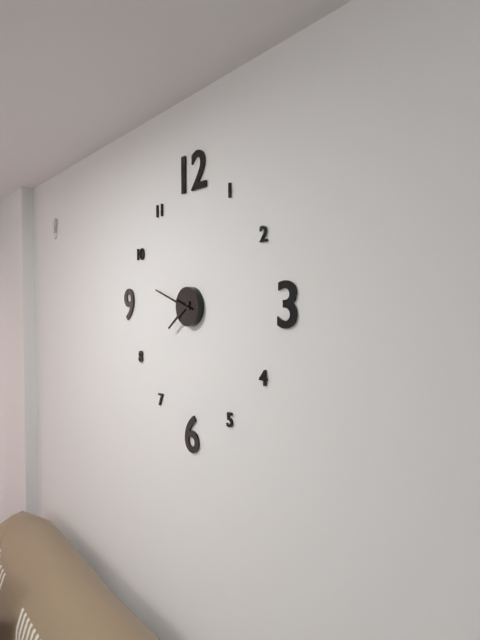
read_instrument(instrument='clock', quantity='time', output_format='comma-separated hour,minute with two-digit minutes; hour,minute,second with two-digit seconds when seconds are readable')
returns 7,48
